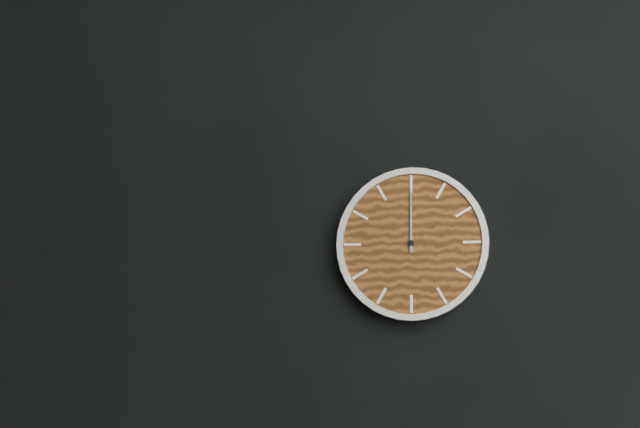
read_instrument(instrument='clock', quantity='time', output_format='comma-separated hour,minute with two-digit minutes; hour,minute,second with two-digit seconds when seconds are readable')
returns 12,00
